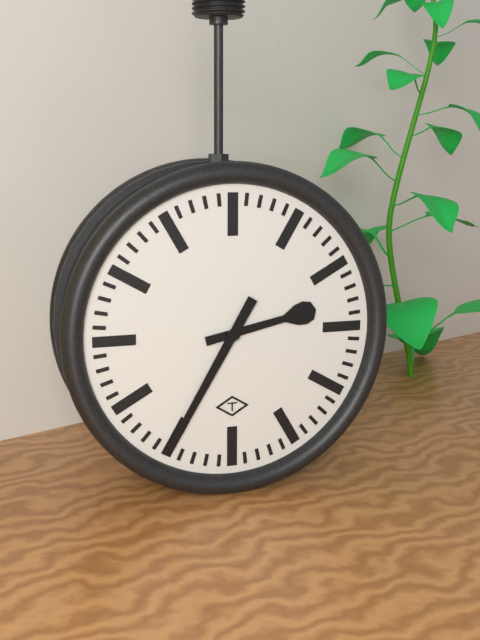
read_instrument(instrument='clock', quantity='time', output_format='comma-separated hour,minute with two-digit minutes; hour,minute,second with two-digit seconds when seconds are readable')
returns 2,35
